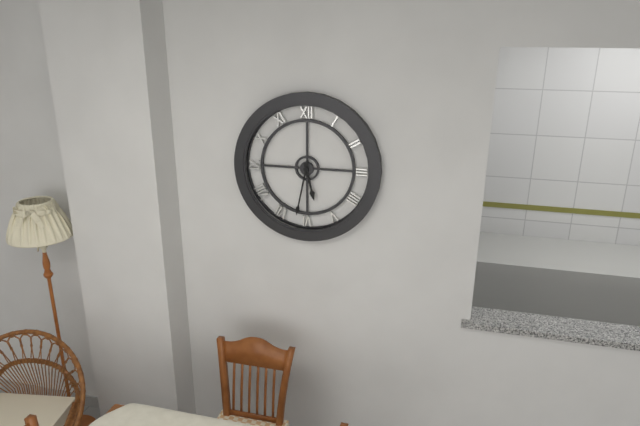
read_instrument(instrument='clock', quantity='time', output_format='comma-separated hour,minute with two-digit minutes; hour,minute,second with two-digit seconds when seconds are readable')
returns 5,32
